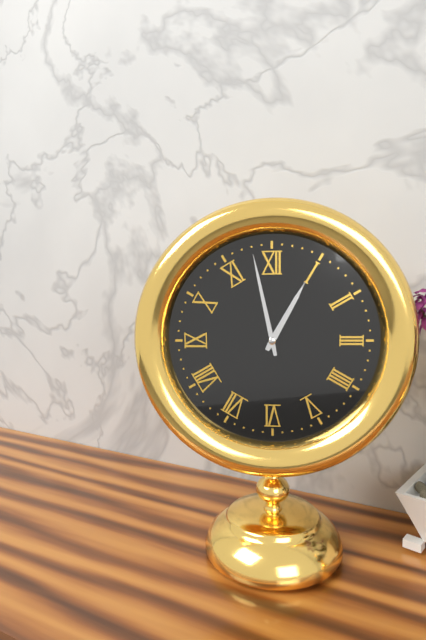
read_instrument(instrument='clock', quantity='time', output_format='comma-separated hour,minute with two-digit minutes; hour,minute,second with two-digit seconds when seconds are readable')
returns 12,58
